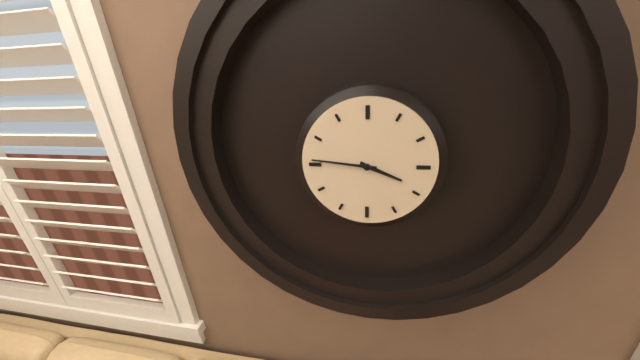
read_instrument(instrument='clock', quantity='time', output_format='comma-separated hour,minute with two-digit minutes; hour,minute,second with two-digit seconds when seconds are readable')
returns 3,46
